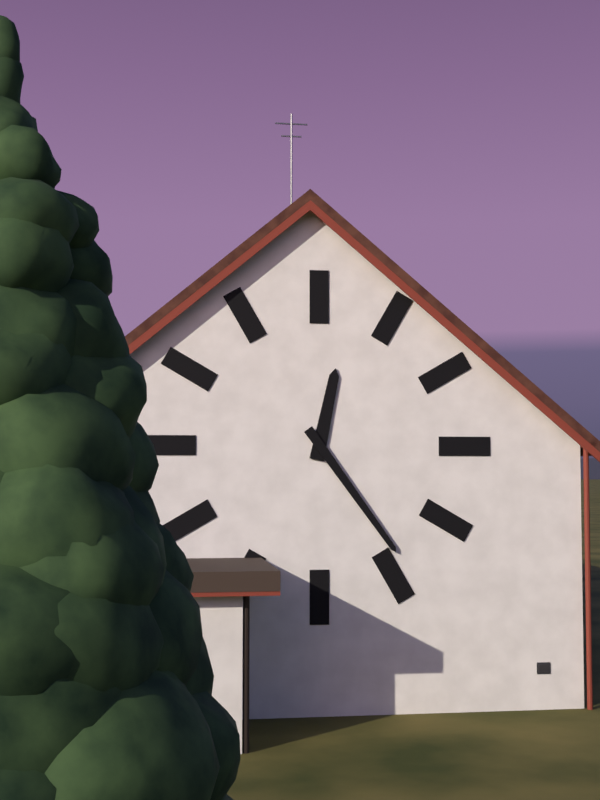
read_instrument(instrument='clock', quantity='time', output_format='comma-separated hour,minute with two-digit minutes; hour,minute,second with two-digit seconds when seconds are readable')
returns 12,24
